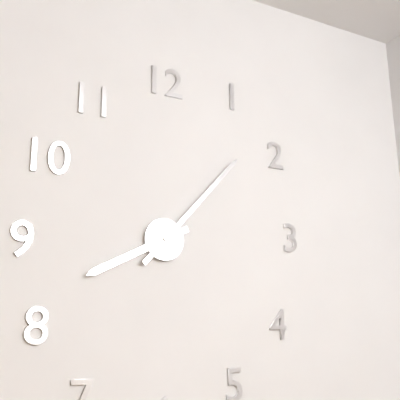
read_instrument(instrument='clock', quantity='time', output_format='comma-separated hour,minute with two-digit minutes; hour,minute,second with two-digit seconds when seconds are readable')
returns 8,07
